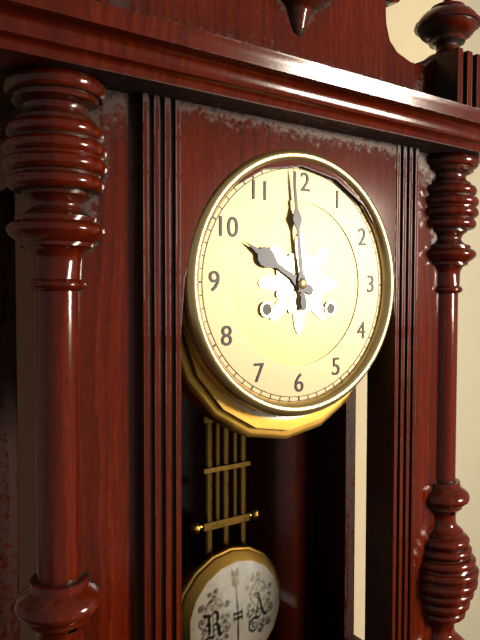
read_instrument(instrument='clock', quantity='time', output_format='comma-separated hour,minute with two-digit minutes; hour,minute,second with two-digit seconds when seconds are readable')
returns 9,59
